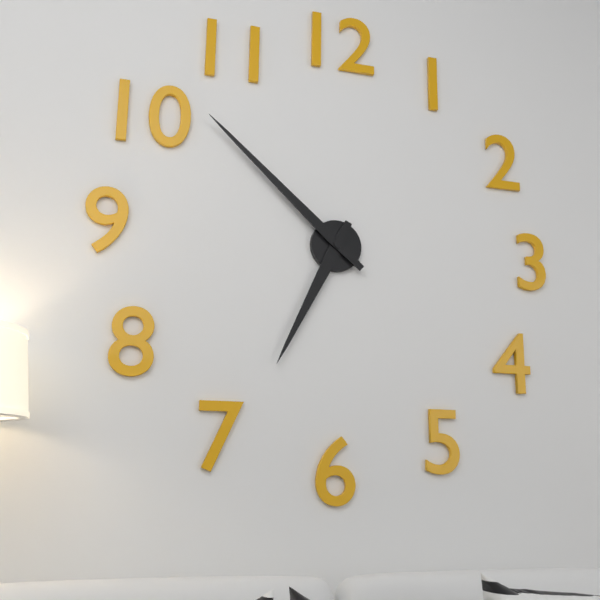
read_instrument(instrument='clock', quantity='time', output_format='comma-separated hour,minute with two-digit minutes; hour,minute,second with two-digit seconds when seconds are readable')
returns 6,52
